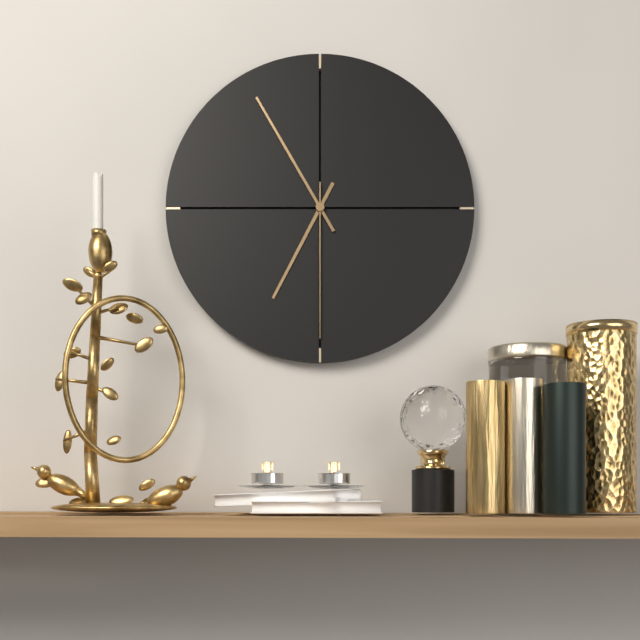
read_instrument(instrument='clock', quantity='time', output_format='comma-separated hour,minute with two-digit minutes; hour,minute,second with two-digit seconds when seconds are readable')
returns 6,55,30
